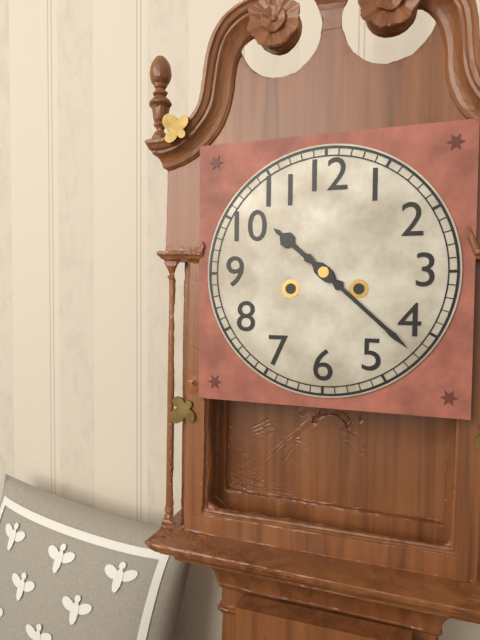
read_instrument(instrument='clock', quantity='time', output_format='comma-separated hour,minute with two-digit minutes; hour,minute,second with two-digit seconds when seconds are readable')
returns 10,22
